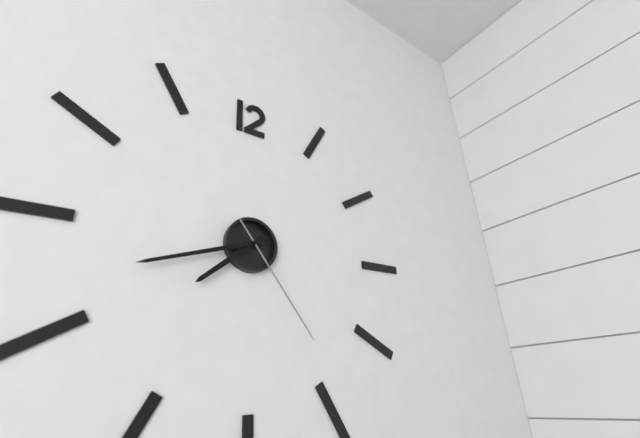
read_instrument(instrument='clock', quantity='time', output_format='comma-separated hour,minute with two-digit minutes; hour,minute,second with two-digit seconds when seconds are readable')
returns 7,42,24
